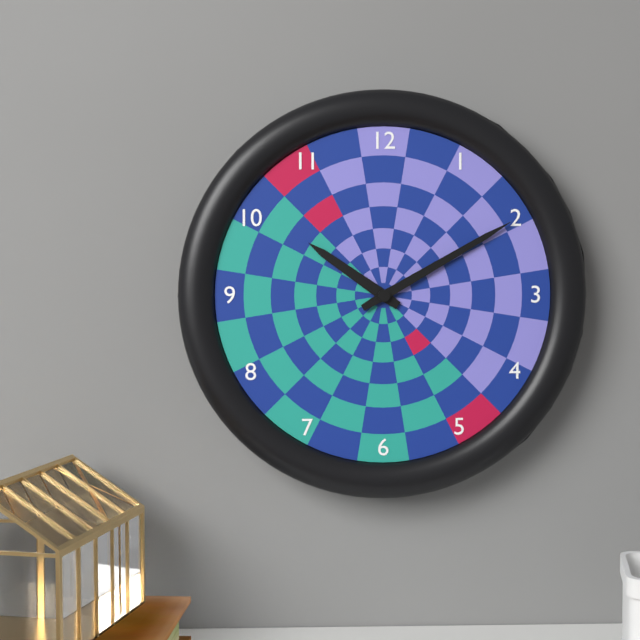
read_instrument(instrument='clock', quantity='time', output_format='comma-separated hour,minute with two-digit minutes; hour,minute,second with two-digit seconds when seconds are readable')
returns 10,10
